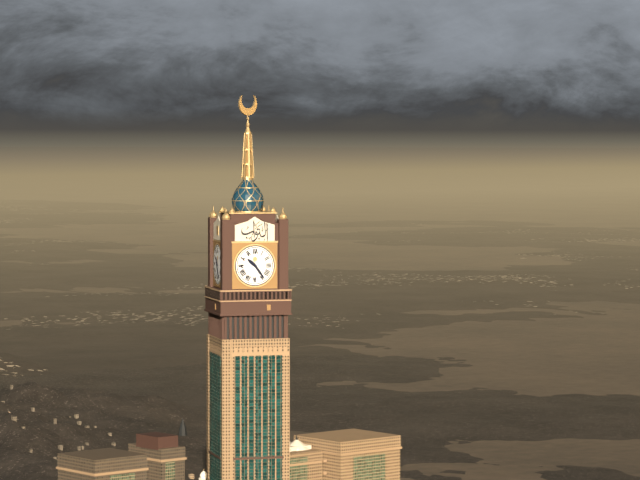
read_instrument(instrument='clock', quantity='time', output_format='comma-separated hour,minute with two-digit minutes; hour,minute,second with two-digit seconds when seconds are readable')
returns 10,24
